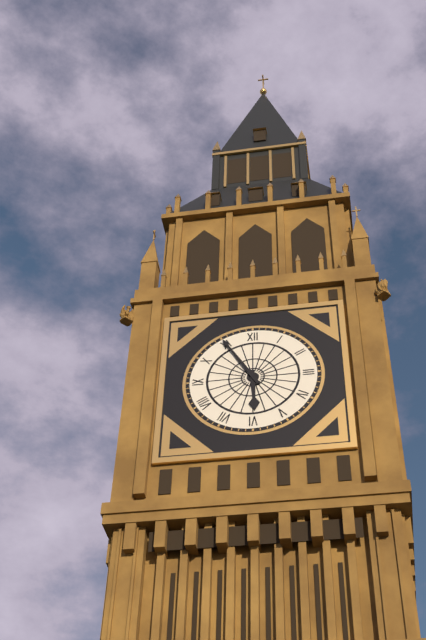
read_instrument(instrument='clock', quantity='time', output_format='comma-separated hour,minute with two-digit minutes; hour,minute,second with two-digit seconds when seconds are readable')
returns 5,55
